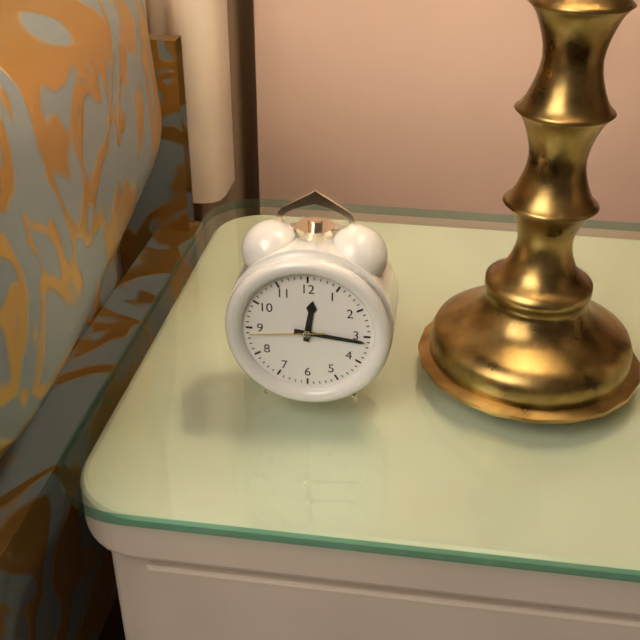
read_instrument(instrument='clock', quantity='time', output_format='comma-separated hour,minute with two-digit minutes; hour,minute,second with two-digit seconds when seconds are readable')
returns 12,16,44
